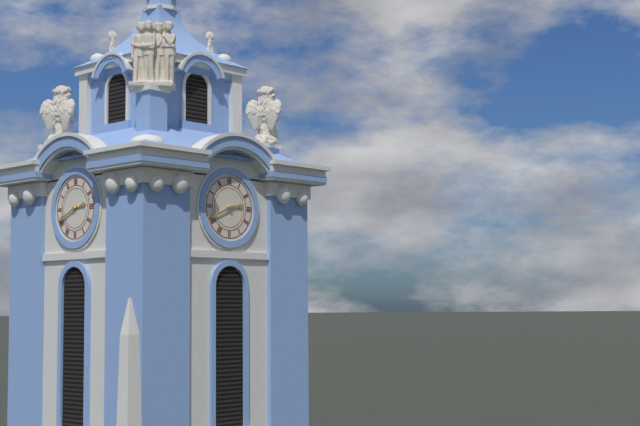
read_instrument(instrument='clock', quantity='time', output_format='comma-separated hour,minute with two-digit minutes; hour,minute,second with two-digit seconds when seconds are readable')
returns 2,41
